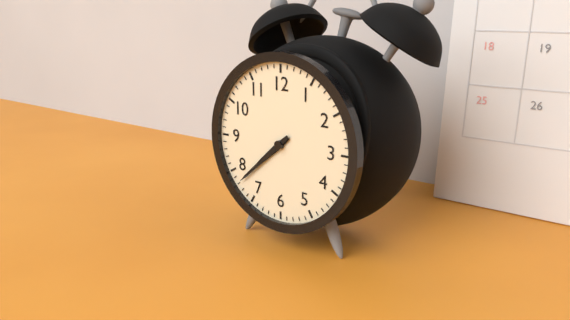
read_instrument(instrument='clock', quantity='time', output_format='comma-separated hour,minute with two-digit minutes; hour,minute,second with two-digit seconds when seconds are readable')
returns 7,38
